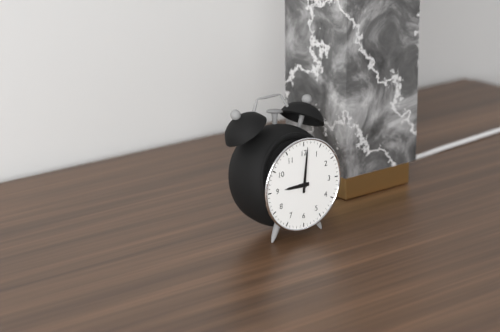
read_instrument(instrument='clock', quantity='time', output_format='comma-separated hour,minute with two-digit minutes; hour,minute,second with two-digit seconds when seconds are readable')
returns 9,01
